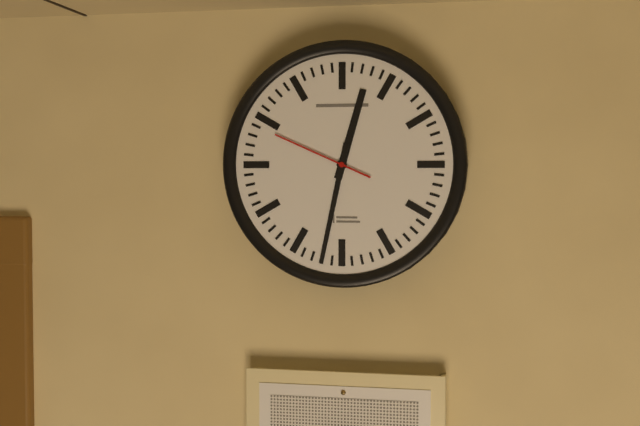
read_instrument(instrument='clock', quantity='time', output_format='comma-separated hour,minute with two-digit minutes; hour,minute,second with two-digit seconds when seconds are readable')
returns 12,32,49
